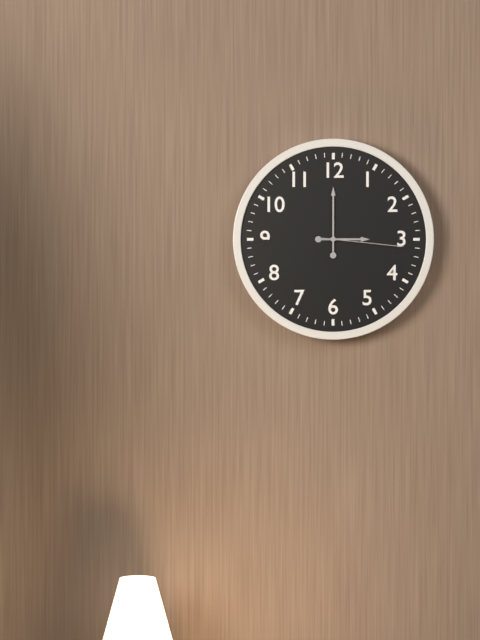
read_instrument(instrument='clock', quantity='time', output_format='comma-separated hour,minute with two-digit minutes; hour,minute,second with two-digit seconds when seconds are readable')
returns 3,00,16
